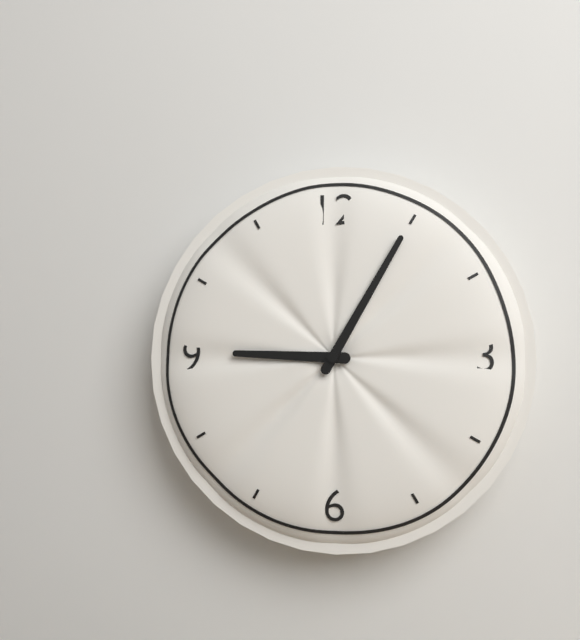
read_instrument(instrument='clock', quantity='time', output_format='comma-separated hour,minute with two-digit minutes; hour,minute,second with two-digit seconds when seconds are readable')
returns 9,05
